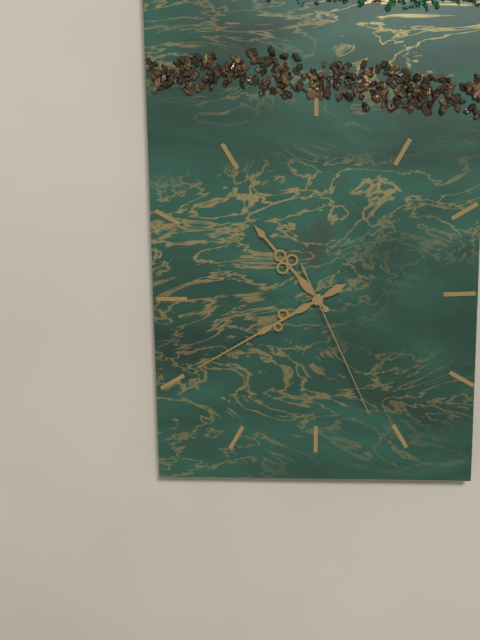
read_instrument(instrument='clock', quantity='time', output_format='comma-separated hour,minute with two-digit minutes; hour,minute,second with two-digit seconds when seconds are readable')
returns 10,40,26
